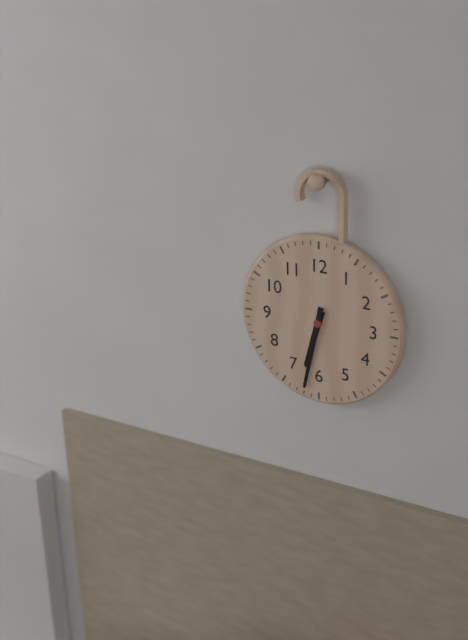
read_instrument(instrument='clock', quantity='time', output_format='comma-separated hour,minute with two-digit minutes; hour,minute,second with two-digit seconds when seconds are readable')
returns 6,32
